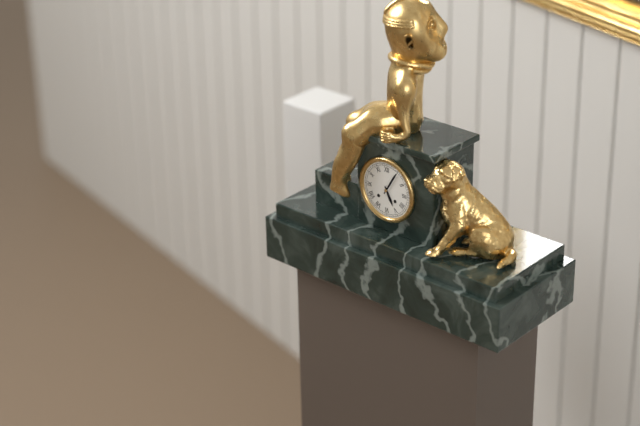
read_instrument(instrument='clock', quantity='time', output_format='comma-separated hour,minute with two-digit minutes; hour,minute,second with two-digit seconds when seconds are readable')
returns 5,05
